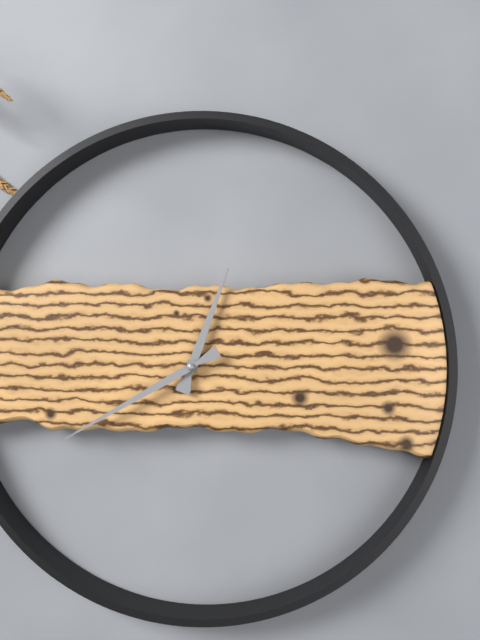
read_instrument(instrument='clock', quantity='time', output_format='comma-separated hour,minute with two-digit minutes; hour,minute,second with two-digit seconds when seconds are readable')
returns 12,40
